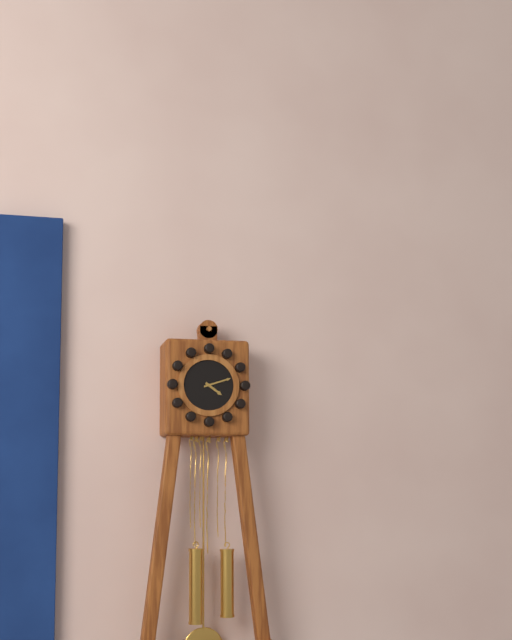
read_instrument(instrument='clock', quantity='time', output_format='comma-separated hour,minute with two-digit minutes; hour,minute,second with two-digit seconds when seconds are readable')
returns 4,12
